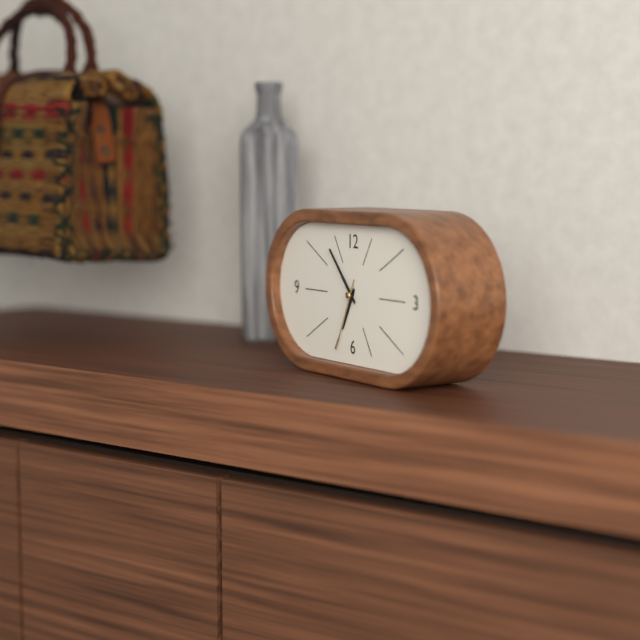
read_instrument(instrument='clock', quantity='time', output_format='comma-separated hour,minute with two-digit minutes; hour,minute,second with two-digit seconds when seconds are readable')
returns 6,53,34
